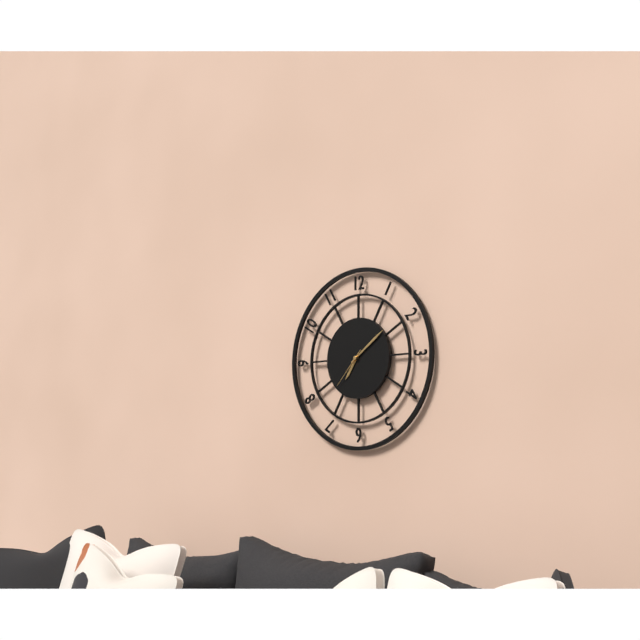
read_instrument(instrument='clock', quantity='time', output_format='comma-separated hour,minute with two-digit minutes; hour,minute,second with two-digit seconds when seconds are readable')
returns 7,09
